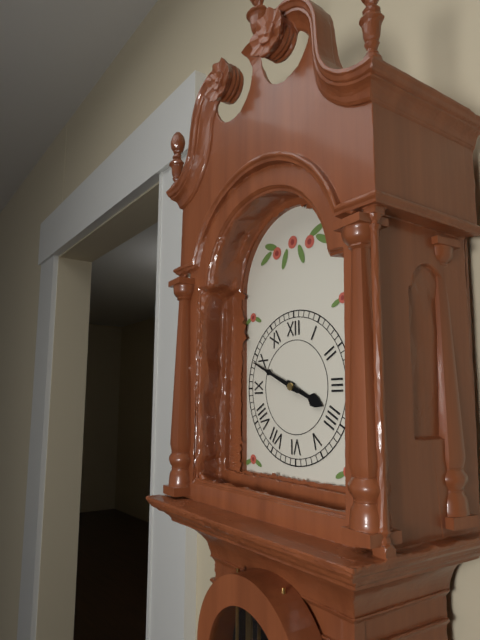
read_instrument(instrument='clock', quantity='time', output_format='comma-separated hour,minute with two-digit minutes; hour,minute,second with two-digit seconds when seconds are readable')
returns 3,49
